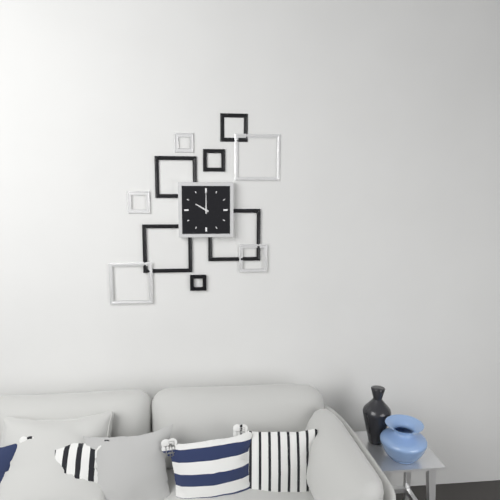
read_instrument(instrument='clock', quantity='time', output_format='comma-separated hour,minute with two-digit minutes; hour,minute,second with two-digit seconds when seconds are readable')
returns 10,00
